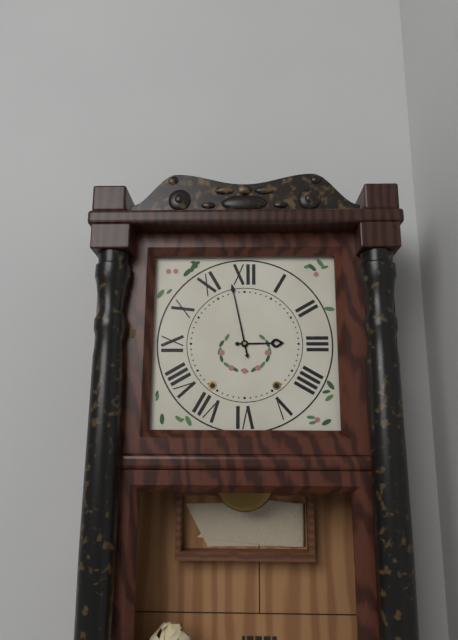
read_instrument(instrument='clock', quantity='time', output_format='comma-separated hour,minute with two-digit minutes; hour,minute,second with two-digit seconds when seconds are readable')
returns 2,58
